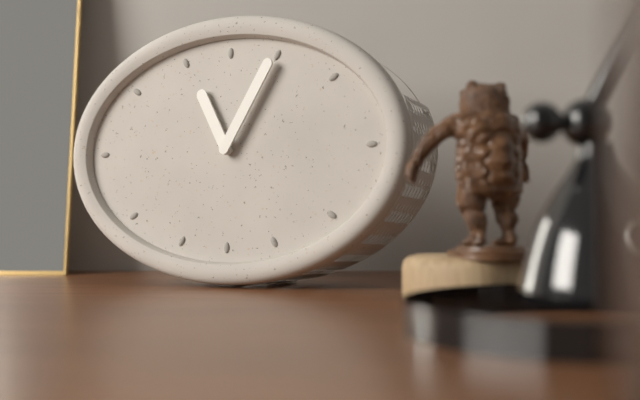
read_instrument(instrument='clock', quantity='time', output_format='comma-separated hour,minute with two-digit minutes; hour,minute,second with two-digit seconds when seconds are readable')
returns 11,05
